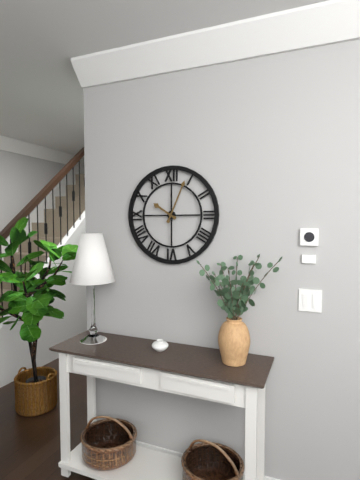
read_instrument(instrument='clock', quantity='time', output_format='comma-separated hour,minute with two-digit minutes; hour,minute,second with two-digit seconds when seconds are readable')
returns 10,04
